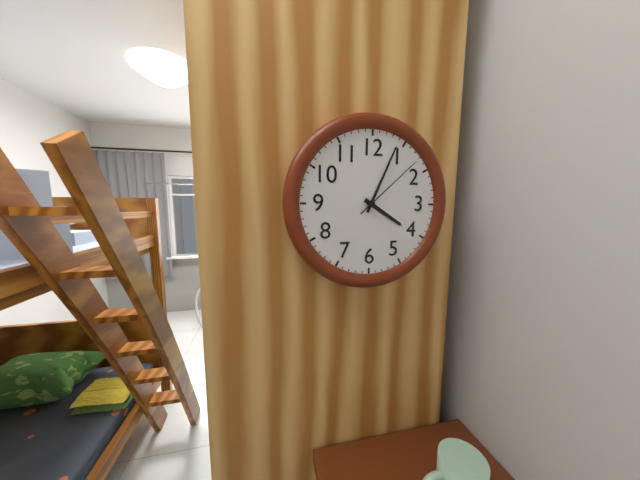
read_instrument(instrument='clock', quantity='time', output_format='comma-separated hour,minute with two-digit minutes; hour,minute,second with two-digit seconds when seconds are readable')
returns 4,04,08
